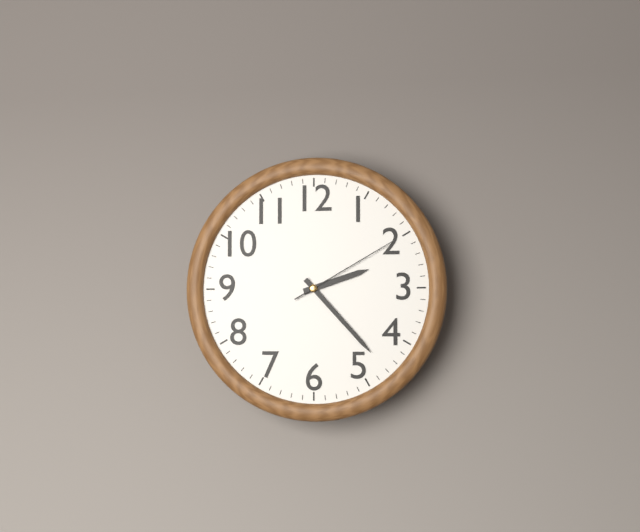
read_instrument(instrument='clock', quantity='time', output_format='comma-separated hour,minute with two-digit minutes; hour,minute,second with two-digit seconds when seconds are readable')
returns 2,23,10
